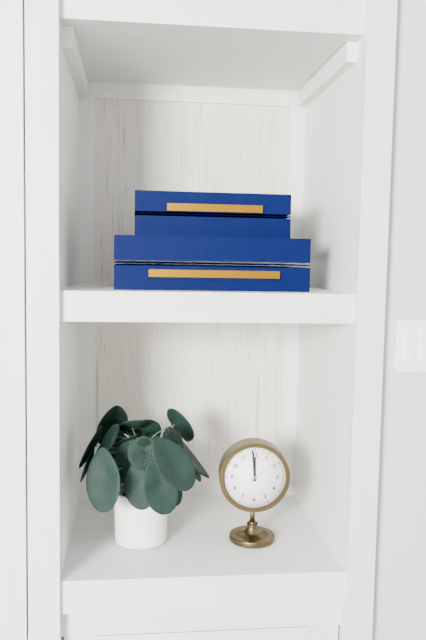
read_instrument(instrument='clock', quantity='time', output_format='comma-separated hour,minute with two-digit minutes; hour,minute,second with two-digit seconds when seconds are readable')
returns 11,59
